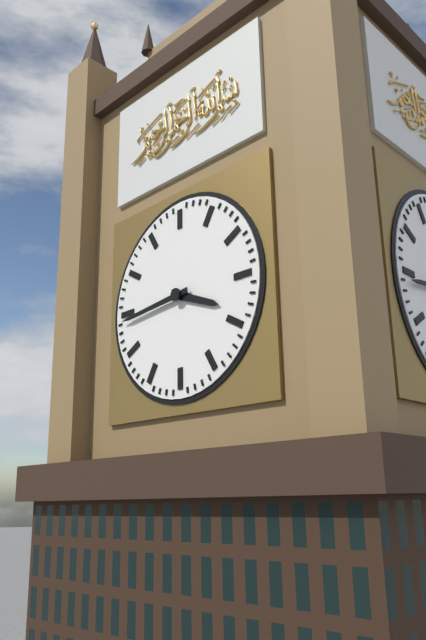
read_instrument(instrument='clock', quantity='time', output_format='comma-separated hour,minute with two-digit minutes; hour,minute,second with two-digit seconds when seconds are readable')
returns 3,44
